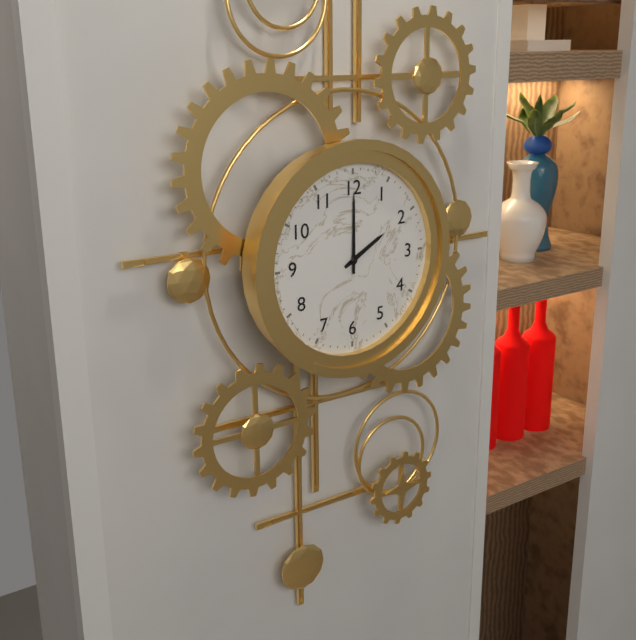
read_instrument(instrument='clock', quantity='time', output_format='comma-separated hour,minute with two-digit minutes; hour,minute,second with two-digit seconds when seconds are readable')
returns 2,00
